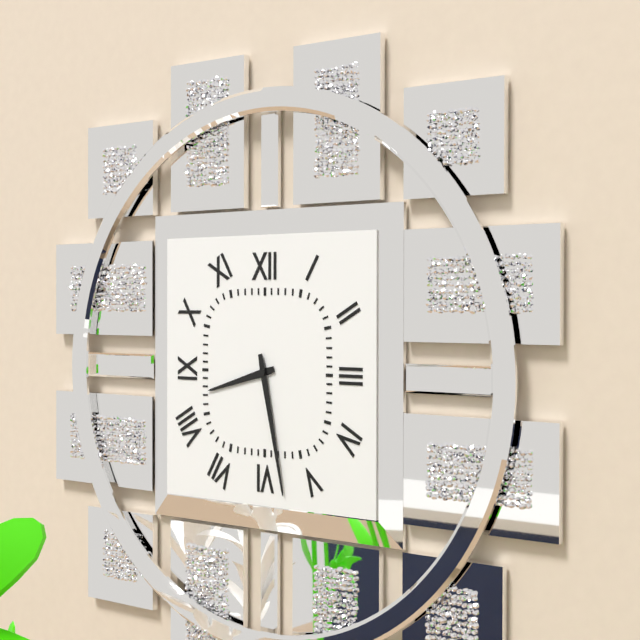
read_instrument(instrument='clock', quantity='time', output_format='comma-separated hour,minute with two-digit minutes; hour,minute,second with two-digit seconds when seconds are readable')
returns 8,28
